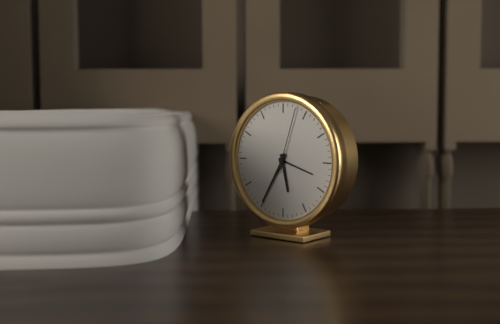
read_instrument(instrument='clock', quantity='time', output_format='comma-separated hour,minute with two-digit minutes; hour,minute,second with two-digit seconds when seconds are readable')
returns 5,35,03
